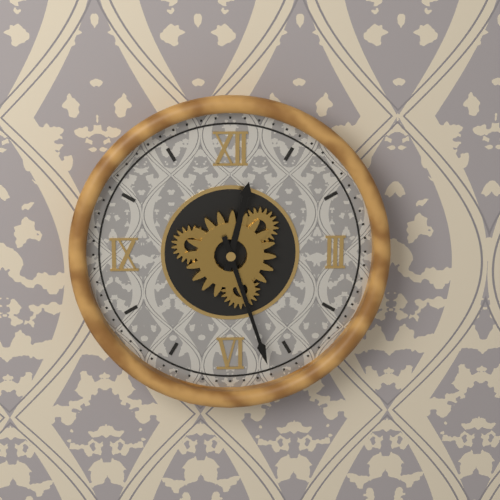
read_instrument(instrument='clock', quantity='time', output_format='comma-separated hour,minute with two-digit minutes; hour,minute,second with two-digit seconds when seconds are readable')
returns 12,27
